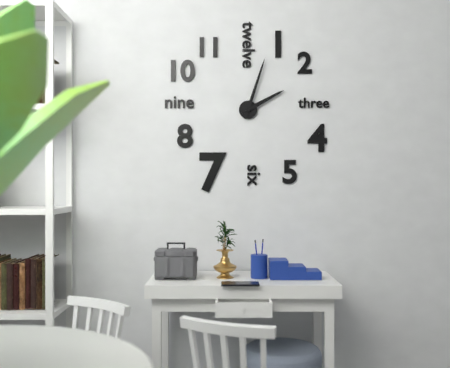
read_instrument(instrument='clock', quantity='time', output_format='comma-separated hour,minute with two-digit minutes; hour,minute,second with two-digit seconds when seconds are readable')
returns 2,03
